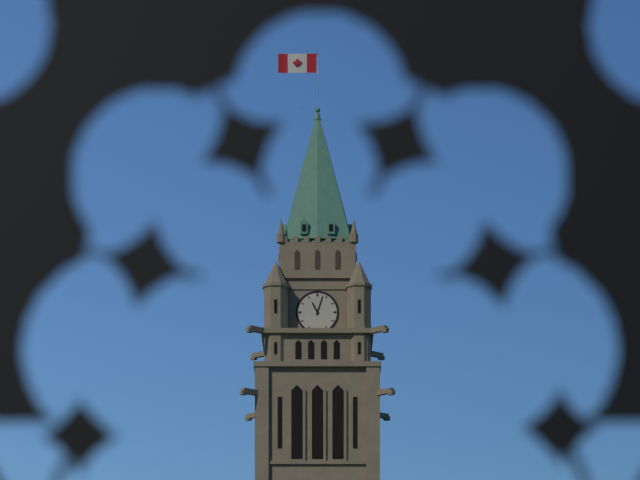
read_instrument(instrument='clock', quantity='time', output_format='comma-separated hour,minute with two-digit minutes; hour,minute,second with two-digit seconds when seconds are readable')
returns 11,03
